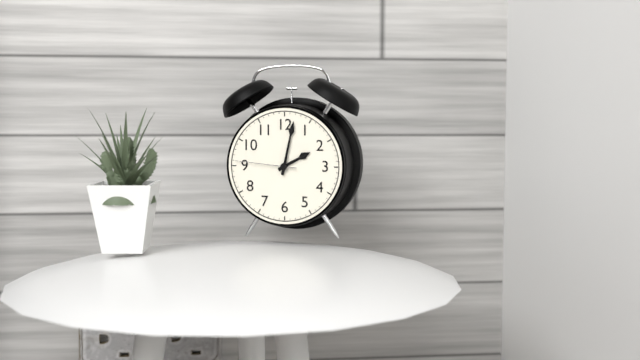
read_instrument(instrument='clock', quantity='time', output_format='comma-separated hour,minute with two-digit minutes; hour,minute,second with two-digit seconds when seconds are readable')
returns 2,02,46
